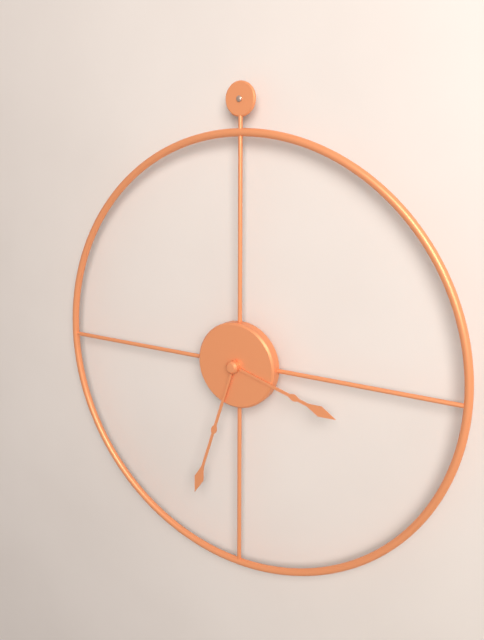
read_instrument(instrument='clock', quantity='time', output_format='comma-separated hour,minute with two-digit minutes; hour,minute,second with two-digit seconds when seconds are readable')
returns 3,33
